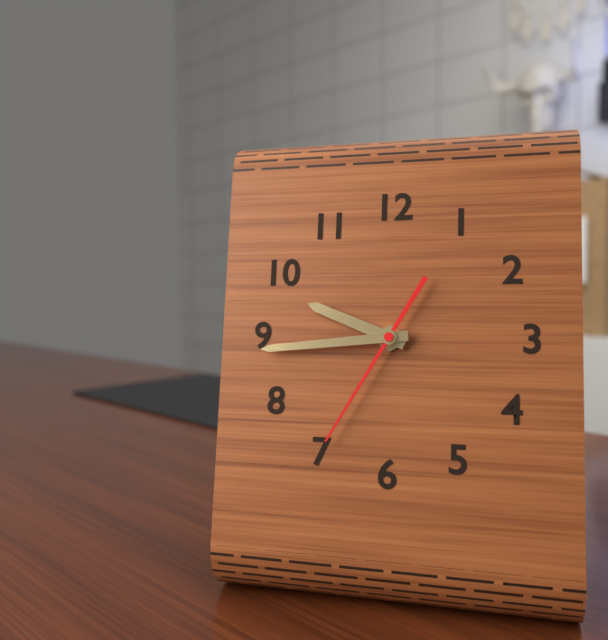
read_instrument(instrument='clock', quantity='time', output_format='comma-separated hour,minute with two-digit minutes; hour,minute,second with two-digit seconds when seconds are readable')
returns 9,44,35
